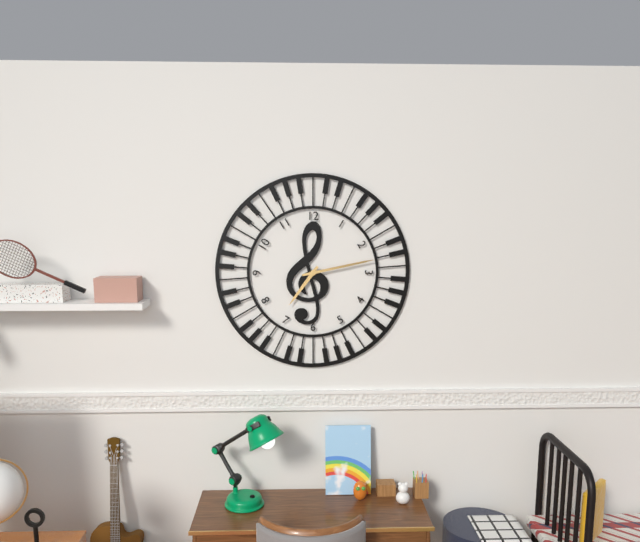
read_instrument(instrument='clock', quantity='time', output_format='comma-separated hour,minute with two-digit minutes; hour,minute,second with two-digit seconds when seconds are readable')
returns 7,13
